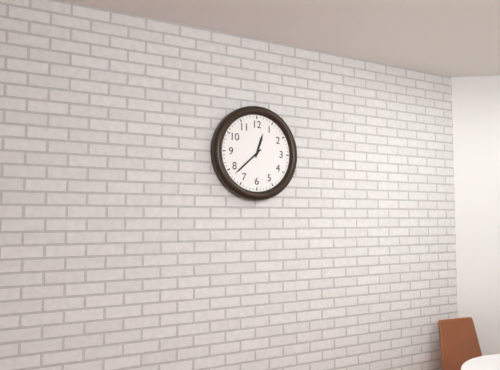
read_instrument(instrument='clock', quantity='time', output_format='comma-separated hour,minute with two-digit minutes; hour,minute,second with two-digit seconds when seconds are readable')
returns 12,38
